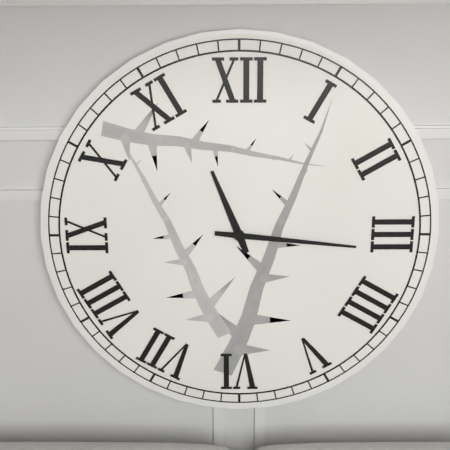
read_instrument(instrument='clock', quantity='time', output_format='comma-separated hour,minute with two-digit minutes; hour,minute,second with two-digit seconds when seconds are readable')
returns 11,16
